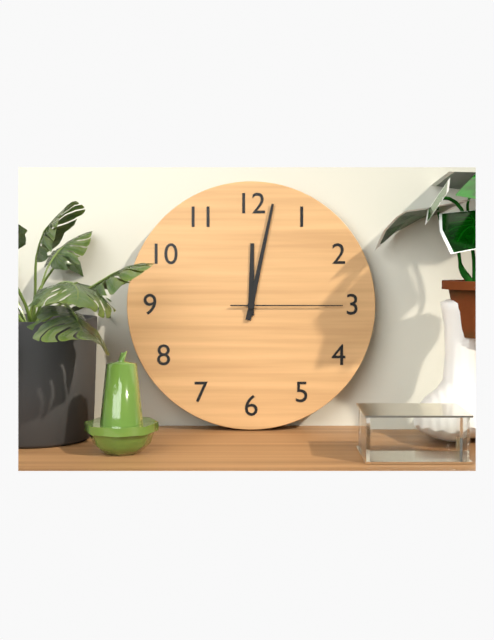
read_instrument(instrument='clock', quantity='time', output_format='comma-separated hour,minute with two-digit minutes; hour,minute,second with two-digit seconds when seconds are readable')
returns 12,02,15
